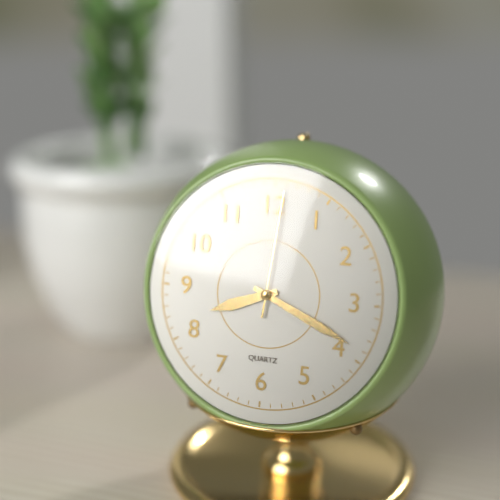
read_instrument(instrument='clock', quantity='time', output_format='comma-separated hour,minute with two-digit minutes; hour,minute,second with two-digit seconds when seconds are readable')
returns 8,19,01
